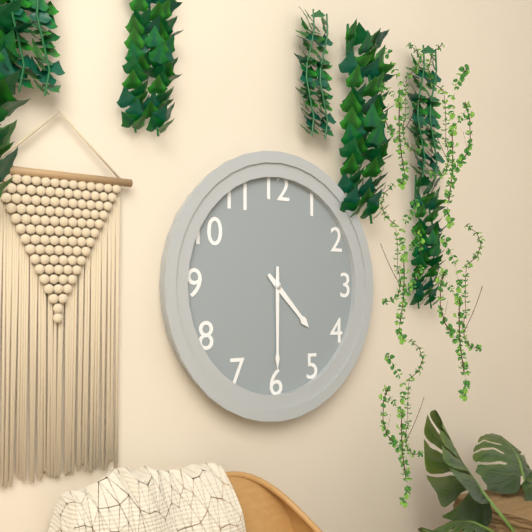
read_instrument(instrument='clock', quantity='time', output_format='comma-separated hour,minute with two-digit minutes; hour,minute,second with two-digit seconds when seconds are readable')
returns 4,30
